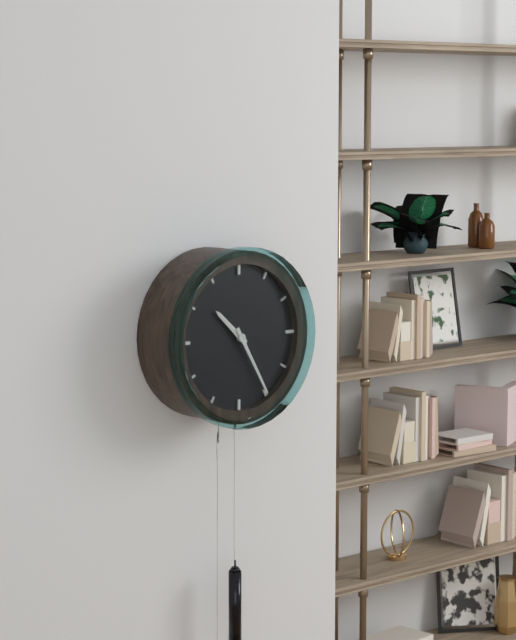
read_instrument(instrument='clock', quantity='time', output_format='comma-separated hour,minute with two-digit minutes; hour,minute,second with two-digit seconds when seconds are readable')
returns 10,25
